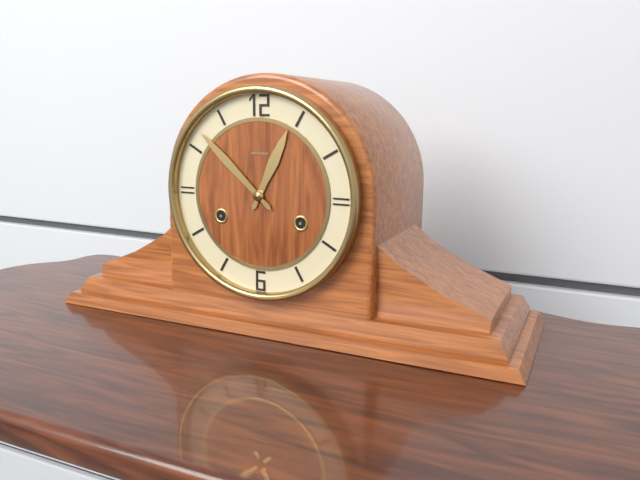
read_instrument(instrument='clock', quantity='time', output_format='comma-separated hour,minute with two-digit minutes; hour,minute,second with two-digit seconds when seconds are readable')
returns 12,52
